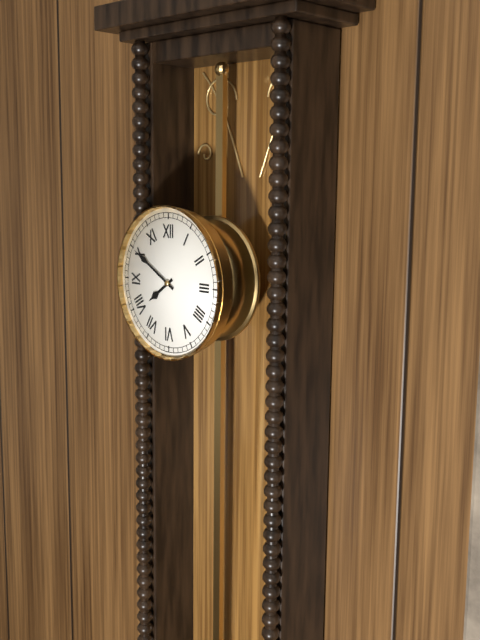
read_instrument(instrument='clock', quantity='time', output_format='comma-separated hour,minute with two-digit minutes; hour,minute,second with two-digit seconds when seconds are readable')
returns 7,50
